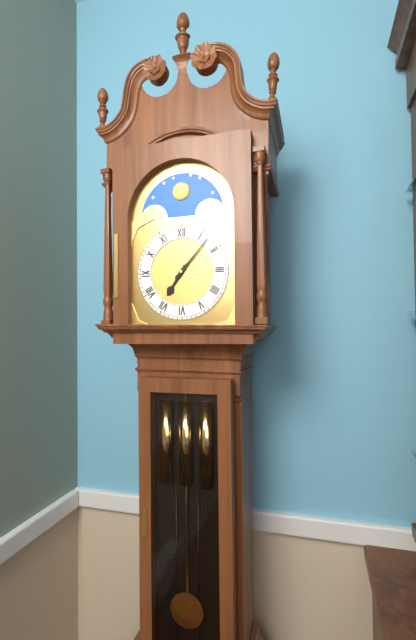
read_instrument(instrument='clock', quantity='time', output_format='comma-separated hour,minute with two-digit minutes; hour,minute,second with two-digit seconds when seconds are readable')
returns 7,07
